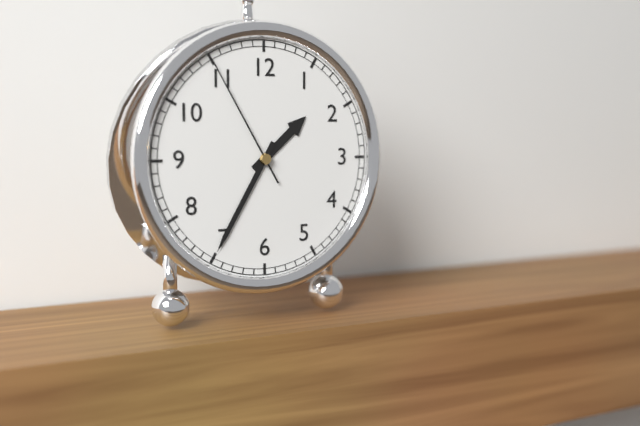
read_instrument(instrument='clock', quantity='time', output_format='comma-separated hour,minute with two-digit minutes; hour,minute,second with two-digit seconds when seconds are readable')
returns 1,35,55
